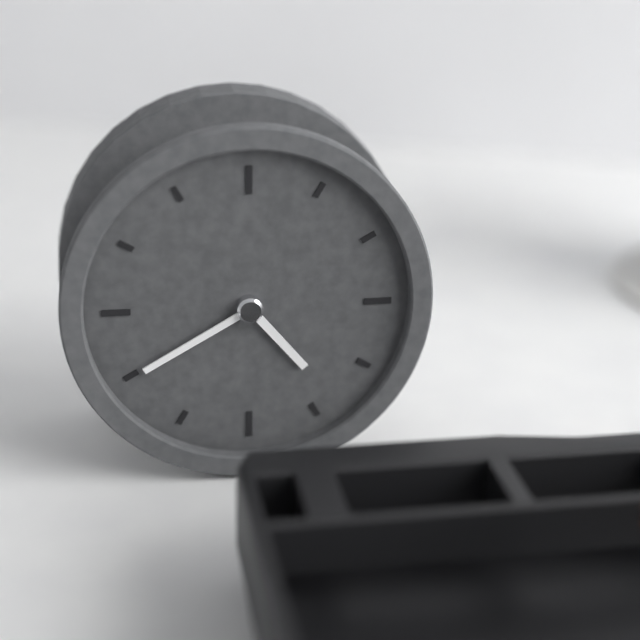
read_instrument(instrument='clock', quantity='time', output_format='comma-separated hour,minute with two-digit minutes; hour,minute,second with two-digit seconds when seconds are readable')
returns 4,40
